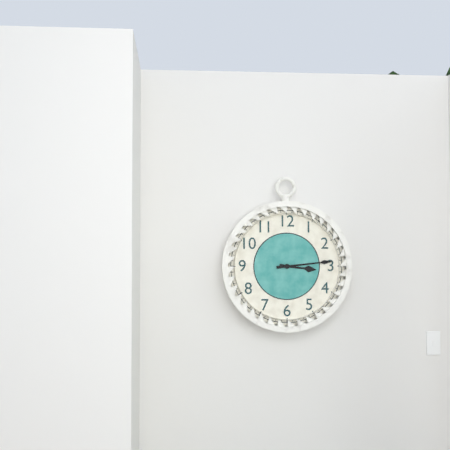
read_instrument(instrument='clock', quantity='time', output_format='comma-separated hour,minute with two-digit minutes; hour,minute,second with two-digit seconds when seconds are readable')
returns 3,14
